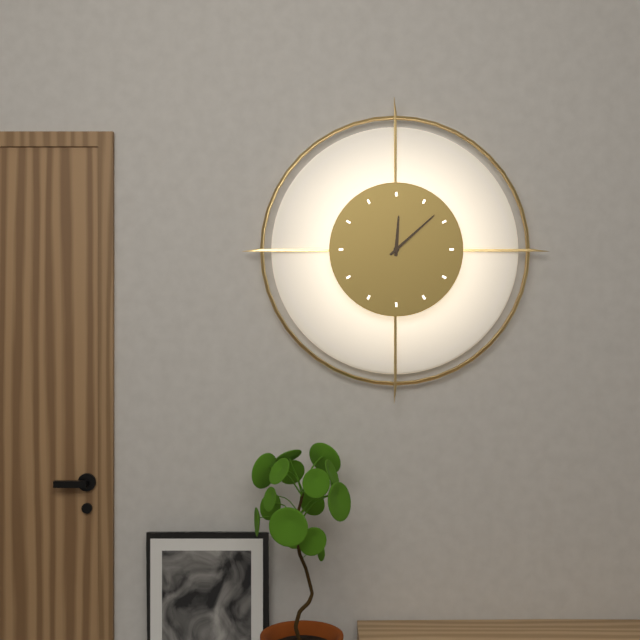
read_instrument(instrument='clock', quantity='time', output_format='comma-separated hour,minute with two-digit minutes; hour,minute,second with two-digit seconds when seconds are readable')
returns 12,08
